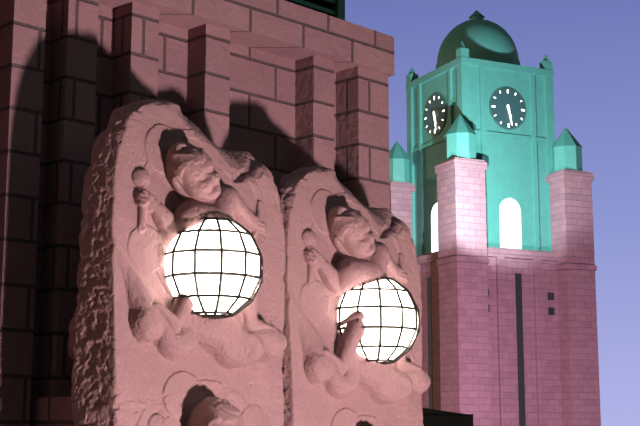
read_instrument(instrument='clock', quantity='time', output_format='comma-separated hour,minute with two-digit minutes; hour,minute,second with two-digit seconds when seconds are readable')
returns 5,28
